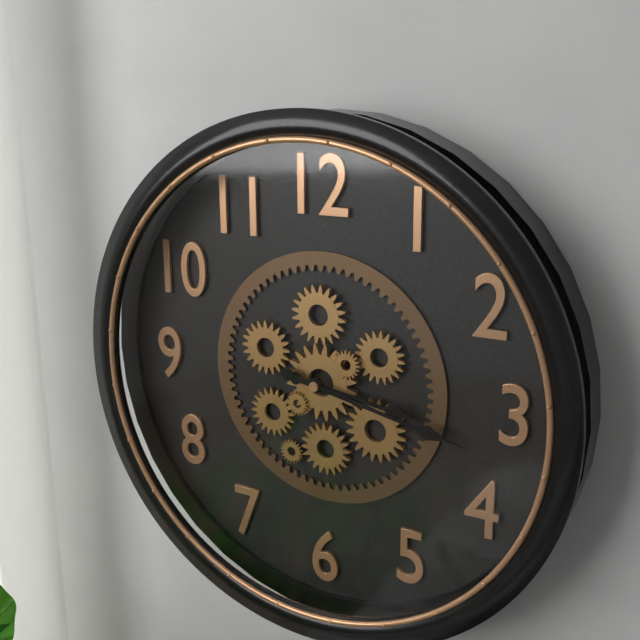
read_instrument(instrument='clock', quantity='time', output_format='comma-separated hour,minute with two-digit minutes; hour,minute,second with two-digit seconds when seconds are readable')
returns 3,17
